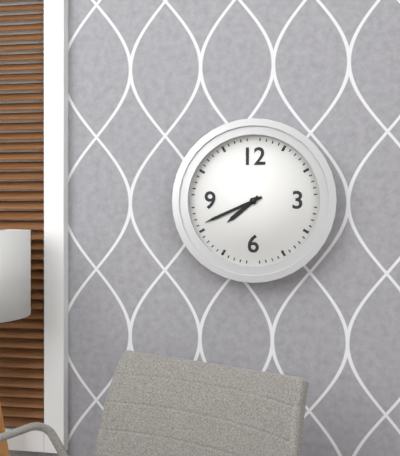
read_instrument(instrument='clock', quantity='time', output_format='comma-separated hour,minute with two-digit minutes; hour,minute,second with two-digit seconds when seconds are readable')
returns 7,41
